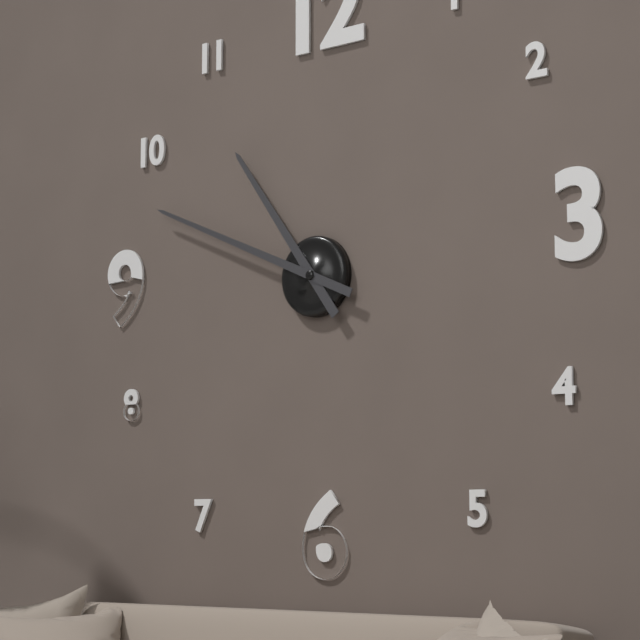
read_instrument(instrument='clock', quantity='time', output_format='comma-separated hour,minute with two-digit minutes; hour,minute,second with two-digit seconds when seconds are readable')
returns 10,49
